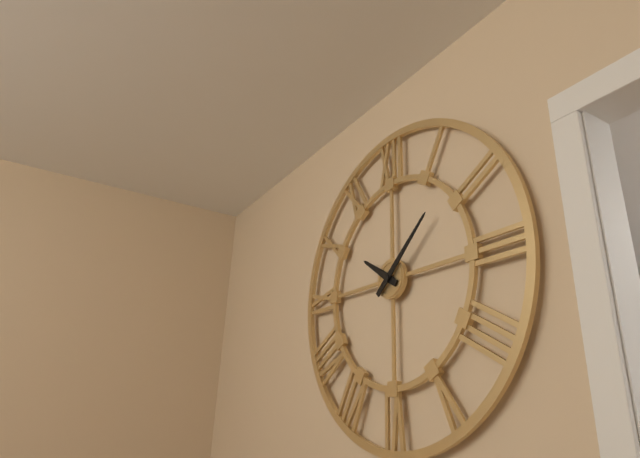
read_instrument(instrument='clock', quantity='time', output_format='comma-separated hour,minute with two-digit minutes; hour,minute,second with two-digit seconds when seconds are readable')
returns 10,08
